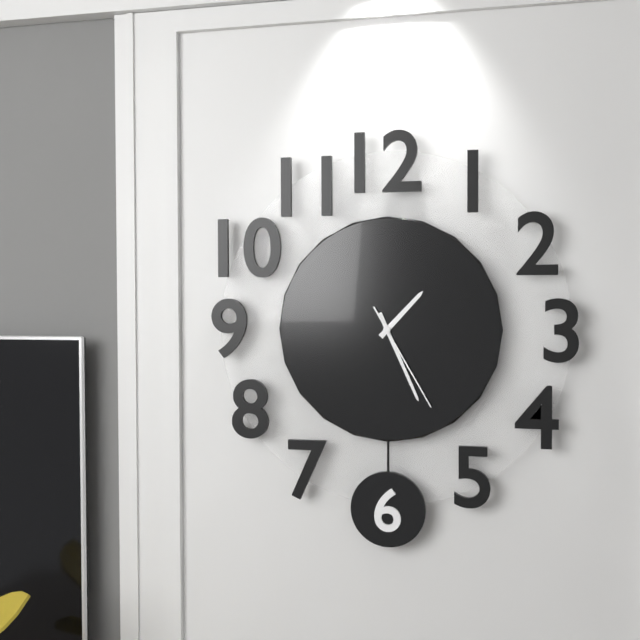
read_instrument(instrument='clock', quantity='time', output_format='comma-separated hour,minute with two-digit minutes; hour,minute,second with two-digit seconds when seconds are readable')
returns 1,26,25
